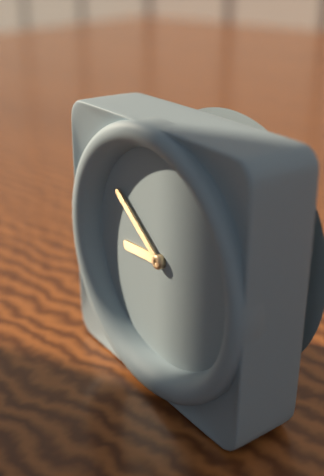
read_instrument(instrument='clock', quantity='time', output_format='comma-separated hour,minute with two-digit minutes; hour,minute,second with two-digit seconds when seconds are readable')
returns 8,51
